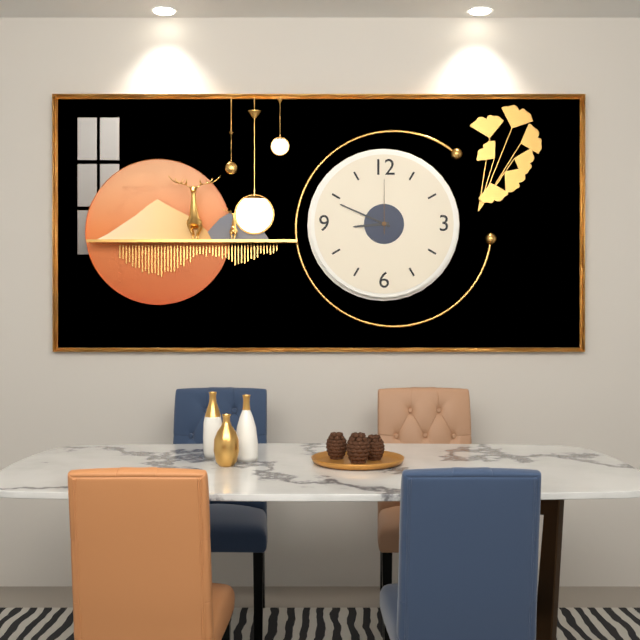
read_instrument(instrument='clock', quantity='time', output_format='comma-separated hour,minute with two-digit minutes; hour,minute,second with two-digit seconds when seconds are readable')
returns 8,49,00
